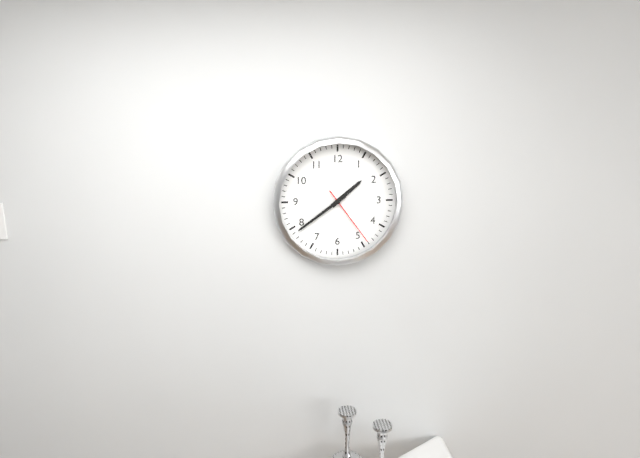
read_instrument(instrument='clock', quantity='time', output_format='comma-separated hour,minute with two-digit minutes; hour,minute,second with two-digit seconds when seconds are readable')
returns 1,39,24
